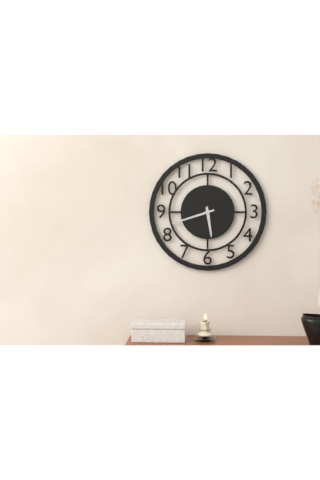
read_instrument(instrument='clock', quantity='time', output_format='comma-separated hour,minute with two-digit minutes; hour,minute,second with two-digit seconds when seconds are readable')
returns 5,42
